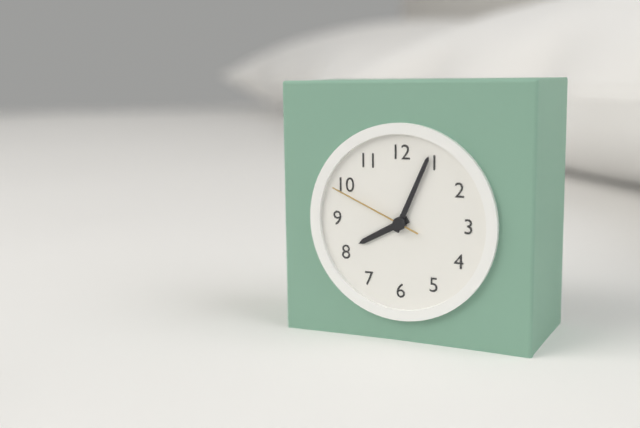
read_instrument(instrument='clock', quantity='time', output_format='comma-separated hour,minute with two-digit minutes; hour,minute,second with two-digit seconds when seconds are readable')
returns 8,04,49
